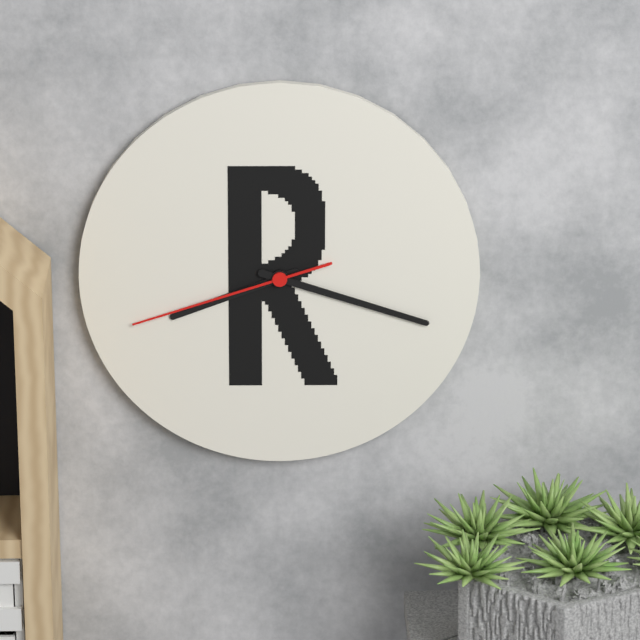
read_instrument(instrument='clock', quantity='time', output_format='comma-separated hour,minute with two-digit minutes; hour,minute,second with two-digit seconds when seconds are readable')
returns 8,18,42
